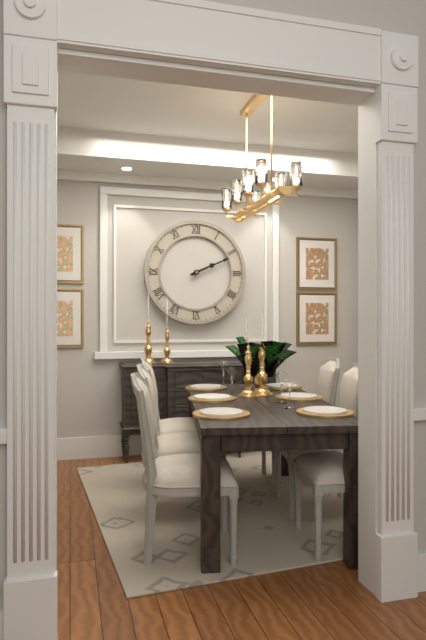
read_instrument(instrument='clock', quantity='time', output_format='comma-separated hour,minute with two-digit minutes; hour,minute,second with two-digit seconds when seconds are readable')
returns 2,11
